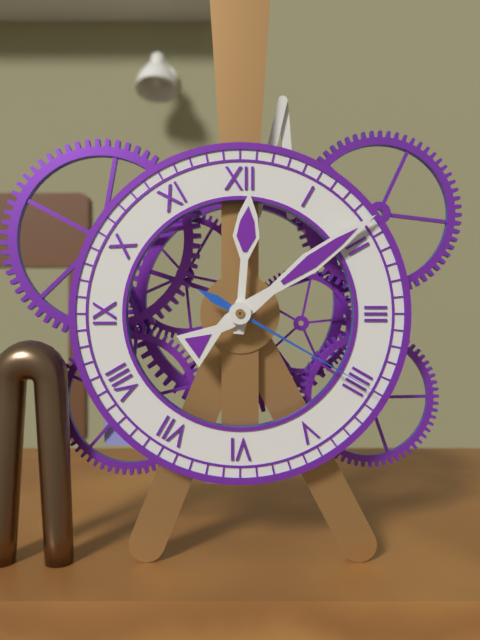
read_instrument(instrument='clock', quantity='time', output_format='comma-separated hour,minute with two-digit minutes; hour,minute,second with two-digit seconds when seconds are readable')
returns 12,09,20
